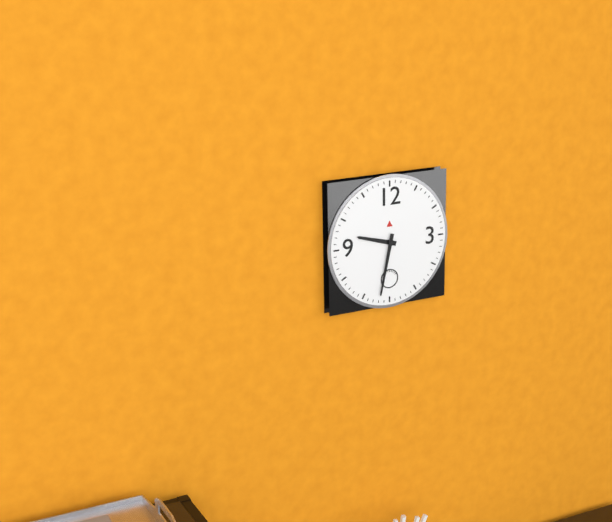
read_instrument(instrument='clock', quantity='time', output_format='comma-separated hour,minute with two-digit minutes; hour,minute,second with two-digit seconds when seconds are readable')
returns 9,32
